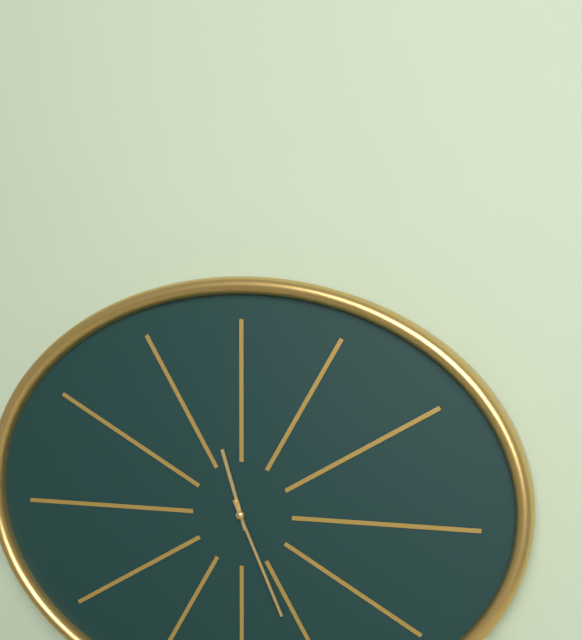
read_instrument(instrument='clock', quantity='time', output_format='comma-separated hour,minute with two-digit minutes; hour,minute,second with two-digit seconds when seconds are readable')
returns 11,26
